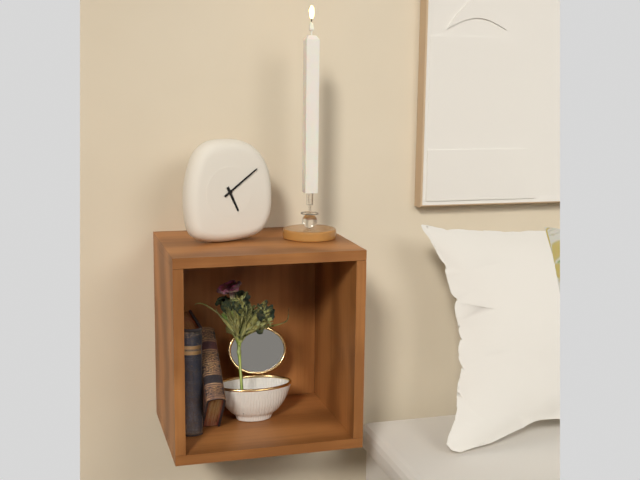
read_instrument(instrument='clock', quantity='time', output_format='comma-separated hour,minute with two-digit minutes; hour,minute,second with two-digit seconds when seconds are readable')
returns 5,09
